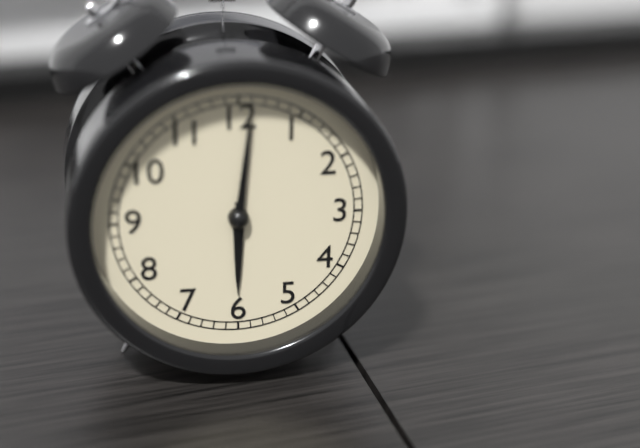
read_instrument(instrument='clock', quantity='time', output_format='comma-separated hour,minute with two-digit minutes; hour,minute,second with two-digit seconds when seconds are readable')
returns 6,01
